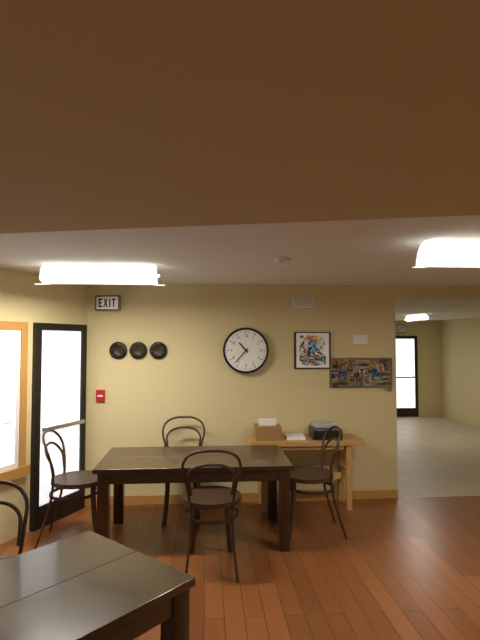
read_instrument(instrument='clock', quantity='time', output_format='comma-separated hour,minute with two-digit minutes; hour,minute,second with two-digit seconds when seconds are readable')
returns 10,37
